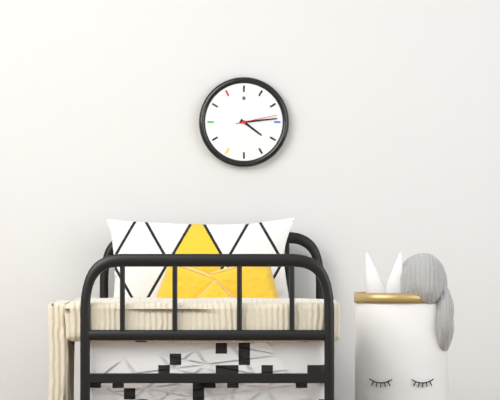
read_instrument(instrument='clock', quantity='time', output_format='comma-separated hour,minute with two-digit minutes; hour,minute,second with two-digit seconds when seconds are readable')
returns 4,14
